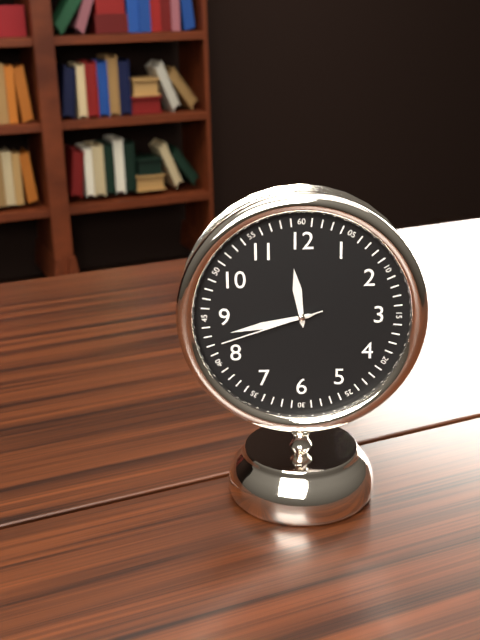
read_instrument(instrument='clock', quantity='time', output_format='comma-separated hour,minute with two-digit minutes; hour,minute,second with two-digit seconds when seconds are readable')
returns 11,43,42
